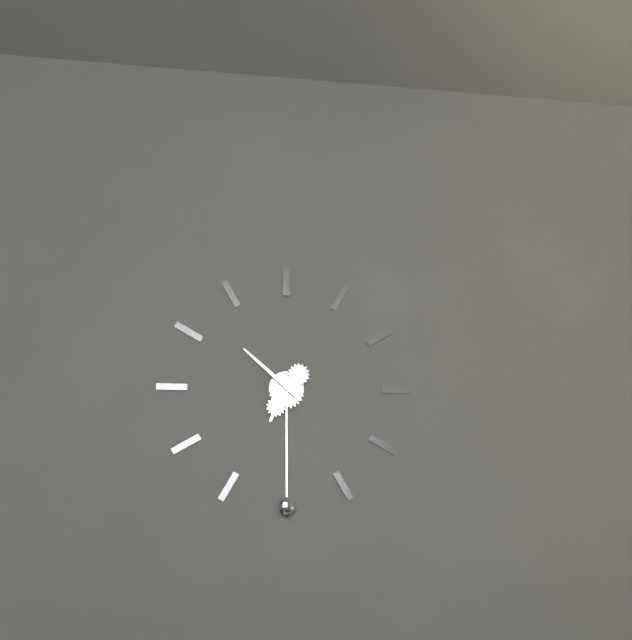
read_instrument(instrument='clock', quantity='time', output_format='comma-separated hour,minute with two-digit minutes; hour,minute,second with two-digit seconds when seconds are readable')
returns 6,52
